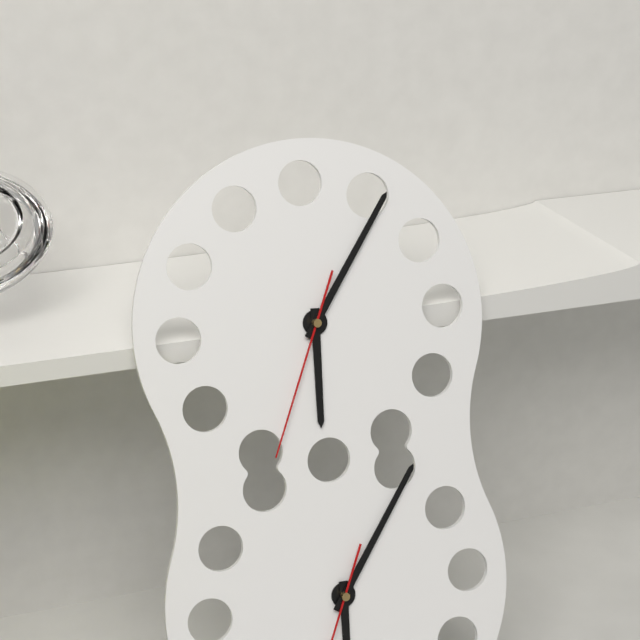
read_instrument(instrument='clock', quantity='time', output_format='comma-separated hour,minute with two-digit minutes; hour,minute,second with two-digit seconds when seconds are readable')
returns 6,06,34
